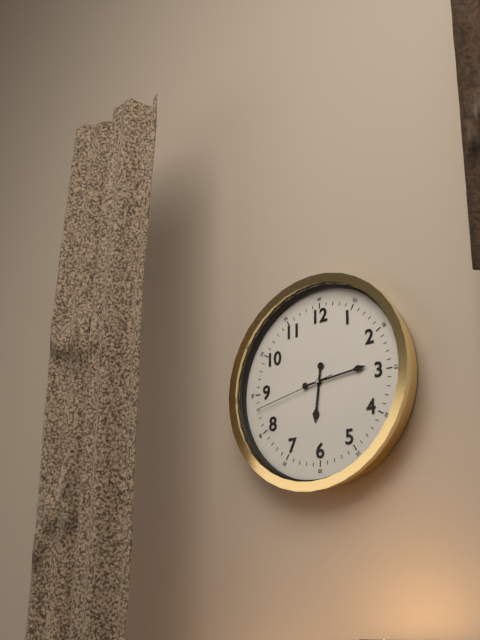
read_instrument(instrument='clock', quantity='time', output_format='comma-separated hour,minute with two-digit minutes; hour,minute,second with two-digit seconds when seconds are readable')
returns 6,14,43
